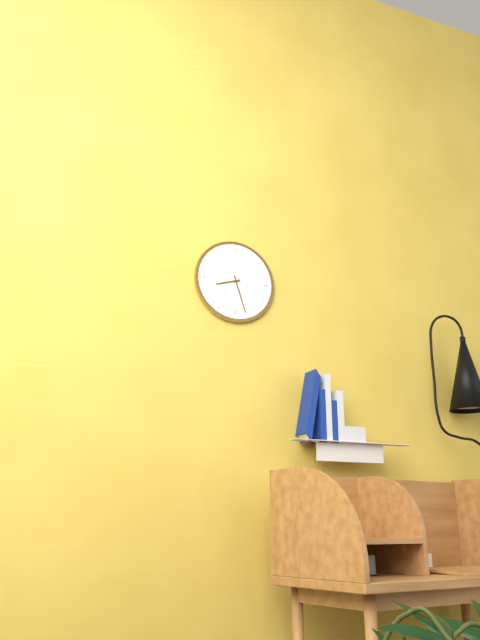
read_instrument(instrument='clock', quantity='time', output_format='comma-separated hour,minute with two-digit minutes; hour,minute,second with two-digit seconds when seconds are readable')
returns 8,27
